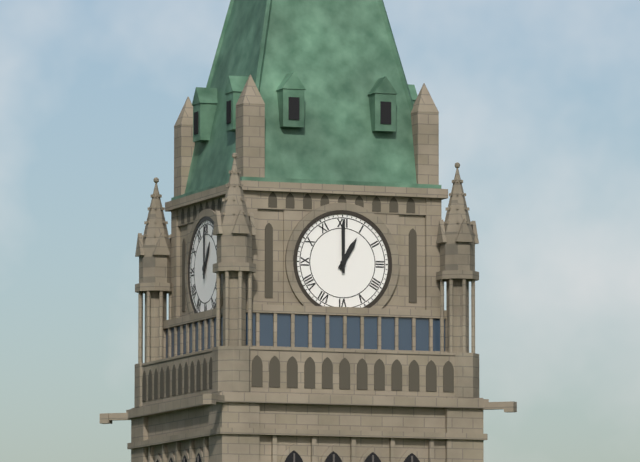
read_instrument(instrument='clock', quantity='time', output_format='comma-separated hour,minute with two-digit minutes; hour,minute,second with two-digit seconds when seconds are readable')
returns 1,00
